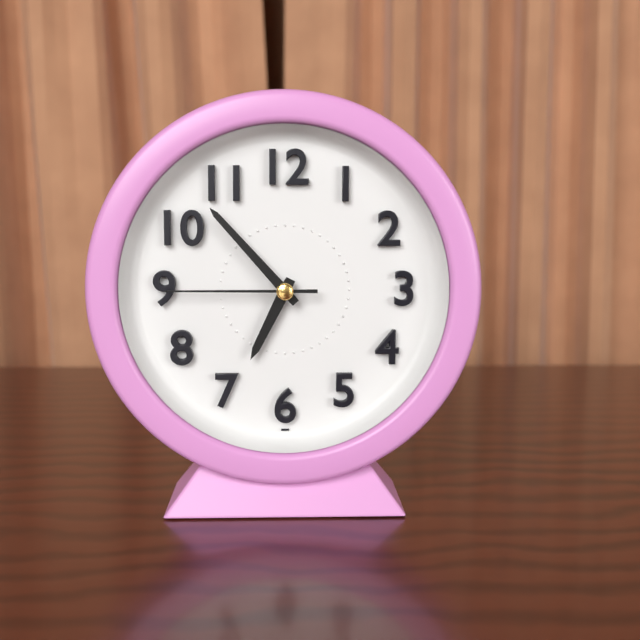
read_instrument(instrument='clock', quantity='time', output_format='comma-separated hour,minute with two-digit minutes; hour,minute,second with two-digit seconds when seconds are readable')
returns 6,53,45
